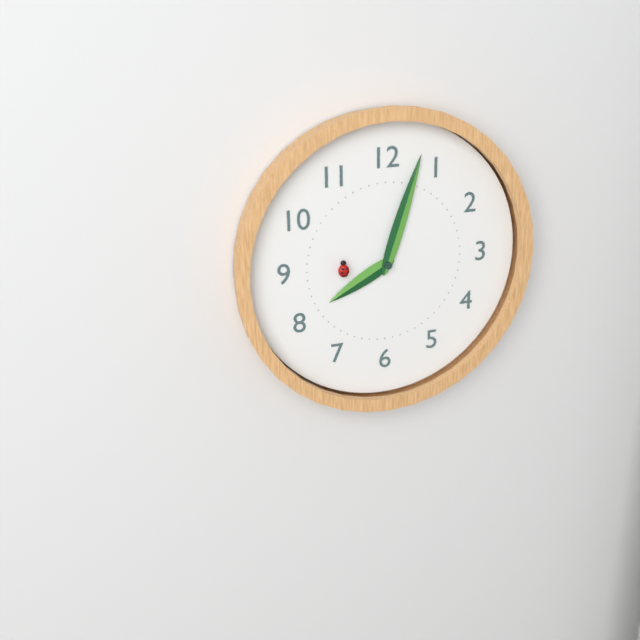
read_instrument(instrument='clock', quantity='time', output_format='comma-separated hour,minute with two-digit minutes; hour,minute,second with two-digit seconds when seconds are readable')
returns 8,03,45
